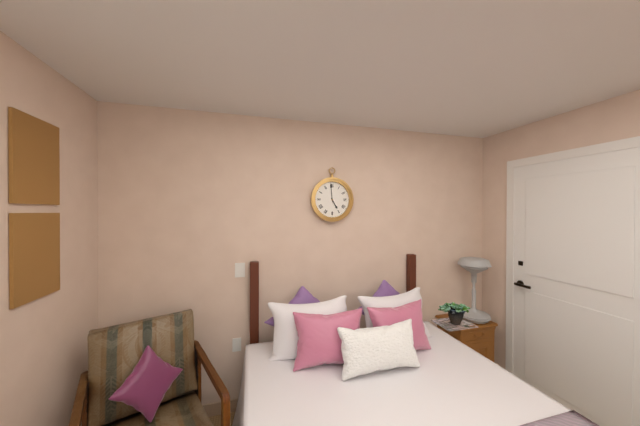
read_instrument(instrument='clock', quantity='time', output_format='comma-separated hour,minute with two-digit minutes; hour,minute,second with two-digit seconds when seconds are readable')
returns 4,59
